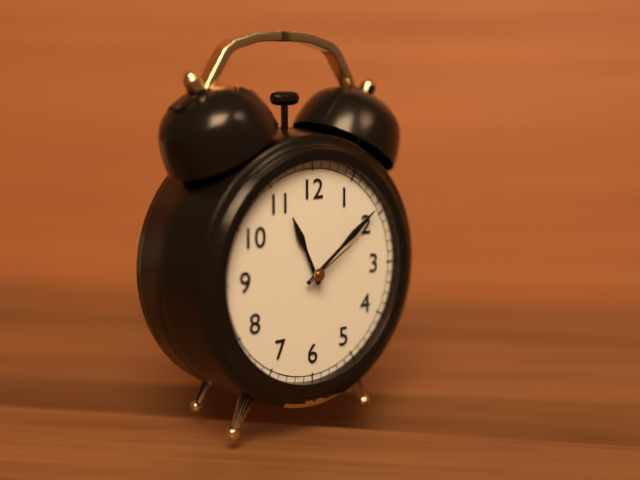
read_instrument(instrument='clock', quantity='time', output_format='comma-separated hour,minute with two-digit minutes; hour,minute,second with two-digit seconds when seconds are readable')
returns 11,09,10
